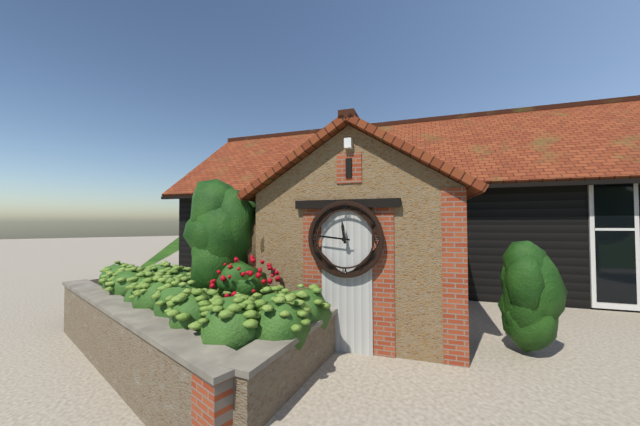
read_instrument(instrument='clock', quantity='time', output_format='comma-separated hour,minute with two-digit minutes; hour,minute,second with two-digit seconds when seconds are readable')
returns 11,46
